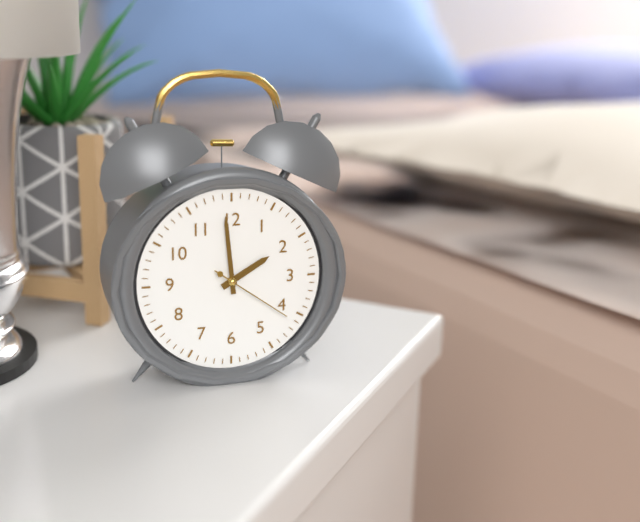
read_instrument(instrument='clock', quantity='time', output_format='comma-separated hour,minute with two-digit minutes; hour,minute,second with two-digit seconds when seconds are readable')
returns 1,59,21
